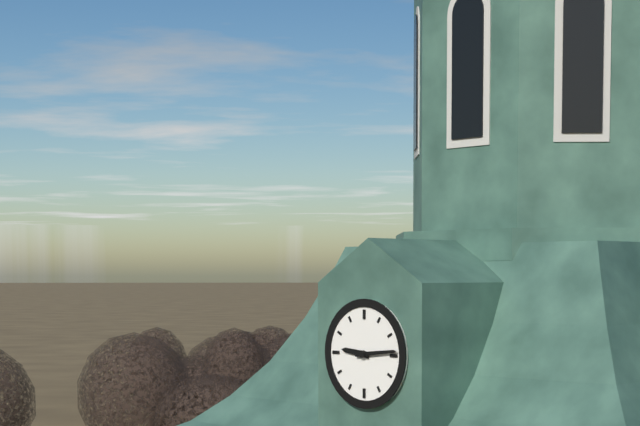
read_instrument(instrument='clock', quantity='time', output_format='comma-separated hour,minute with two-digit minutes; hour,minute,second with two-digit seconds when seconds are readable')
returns 9,14
